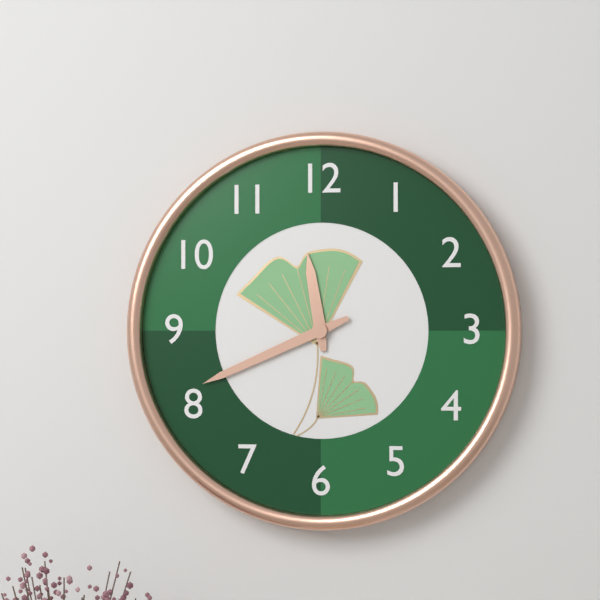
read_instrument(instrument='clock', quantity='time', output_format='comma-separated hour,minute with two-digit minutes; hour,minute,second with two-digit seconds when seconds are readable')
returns 11,41
